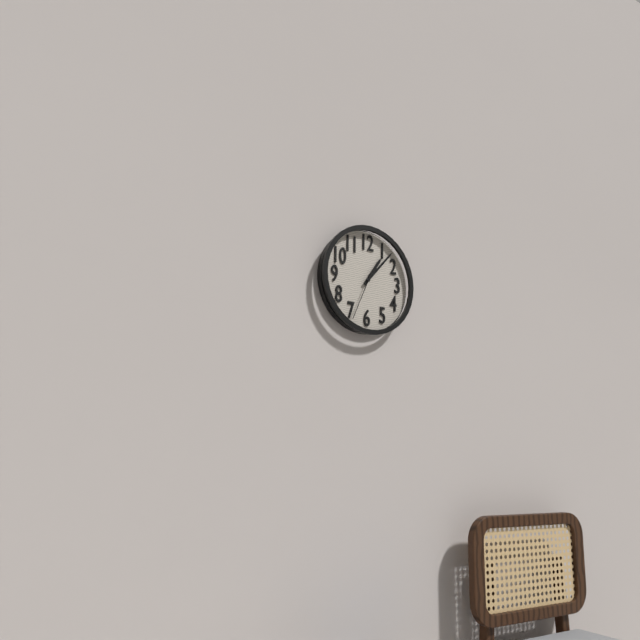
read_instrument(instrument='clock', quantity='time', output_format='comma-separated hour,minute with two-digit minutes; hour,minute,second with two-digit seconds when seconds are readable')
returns 1,07
